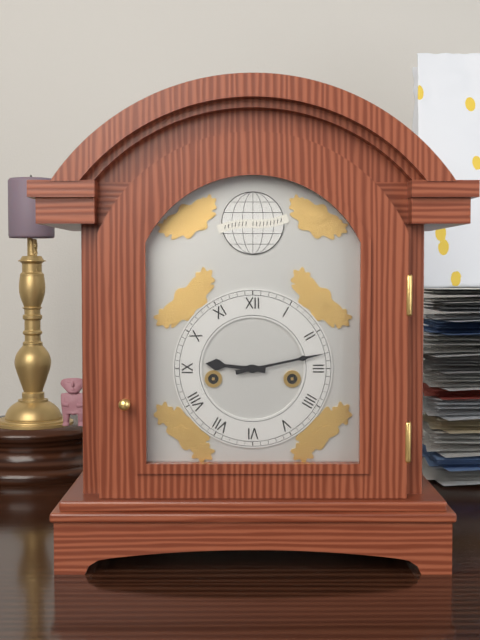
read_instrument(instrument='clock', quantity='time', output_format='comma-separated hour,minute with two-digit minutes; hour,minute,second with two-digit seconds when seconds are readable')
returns 9,13
